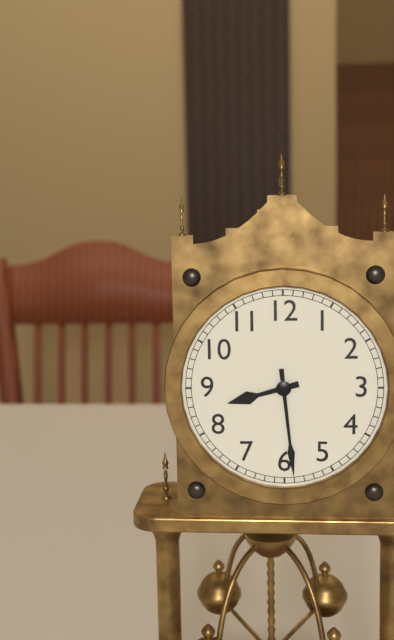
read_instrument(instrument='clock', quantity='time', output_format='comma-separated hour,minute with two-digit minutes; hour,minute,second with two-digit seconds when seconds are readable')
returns 8,29
